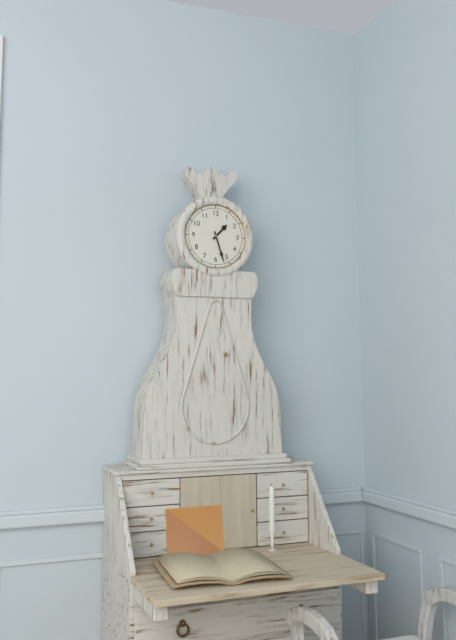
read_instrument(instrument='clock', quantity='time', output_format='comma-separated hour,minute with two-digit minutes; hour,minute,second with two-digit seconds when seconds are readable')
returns 1,27
